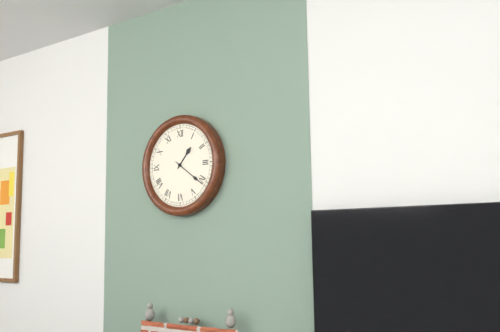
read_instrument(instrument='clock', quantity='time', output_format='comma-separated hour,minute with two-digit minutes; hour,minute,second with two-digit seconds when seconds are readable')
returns 1,21
